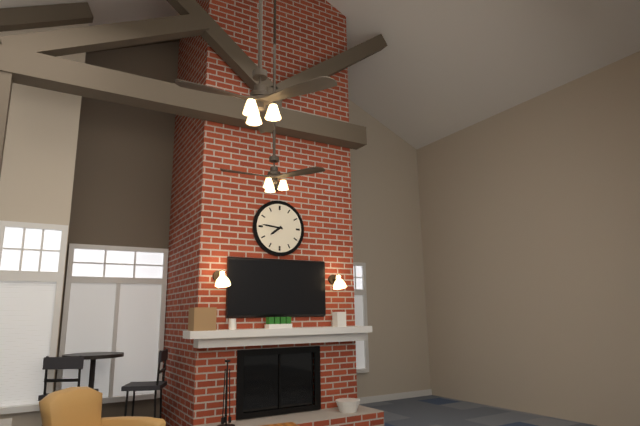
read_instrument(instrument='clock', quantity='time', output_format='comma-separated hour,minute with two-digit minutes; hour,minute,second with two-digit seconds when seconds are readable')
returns 7,46
